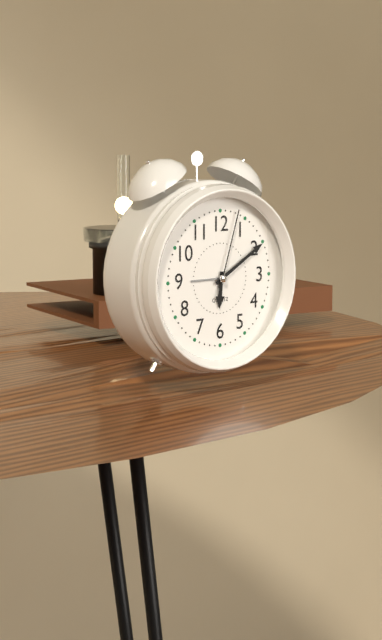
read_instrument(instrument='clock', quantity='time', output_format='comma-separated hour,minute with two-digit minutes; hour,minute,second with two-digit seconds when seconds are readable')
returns 6,10,03
